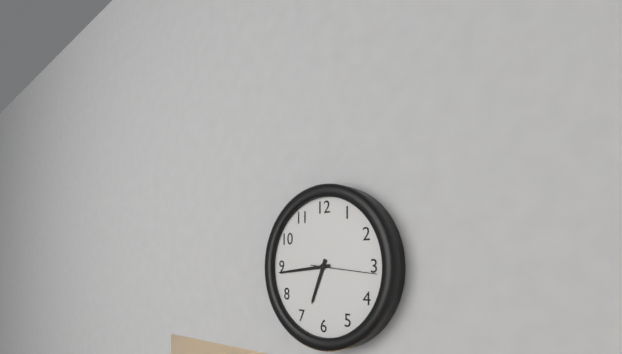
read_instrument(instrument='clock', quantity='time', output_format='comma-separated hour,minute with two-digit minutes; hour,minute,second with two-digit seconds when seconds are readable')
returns 6,44,16
